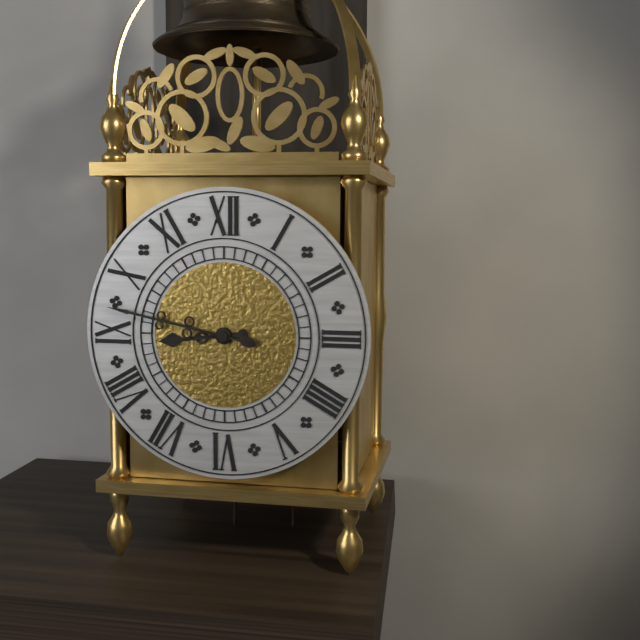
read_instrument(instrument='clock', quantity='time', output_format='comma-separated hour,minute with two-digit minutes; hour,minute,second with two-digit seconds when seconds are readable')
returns 8,47
